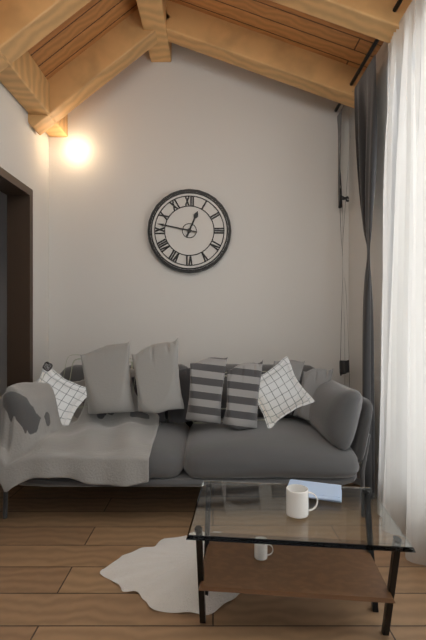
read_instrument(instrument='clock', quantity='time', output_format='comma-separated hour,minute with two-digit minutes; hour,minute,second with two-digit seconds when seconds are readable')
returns 12,47
